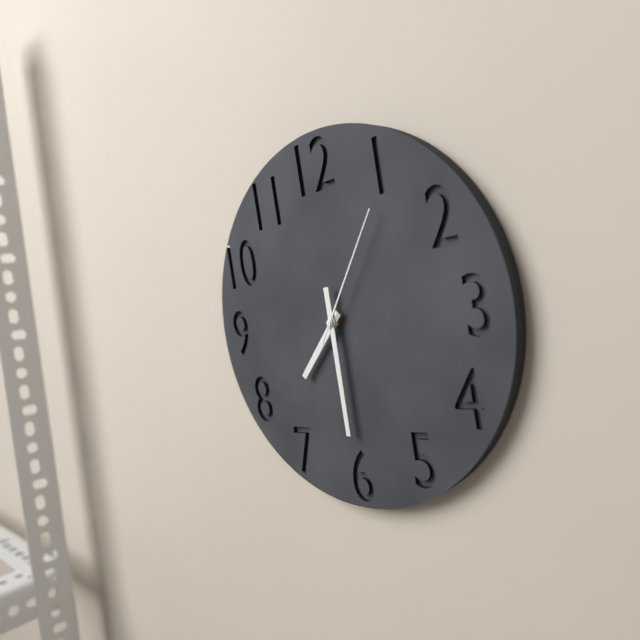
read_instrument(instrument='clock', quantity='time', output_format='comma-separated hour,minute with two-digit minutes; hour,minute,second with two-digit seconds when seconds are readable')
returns 7,30,06
